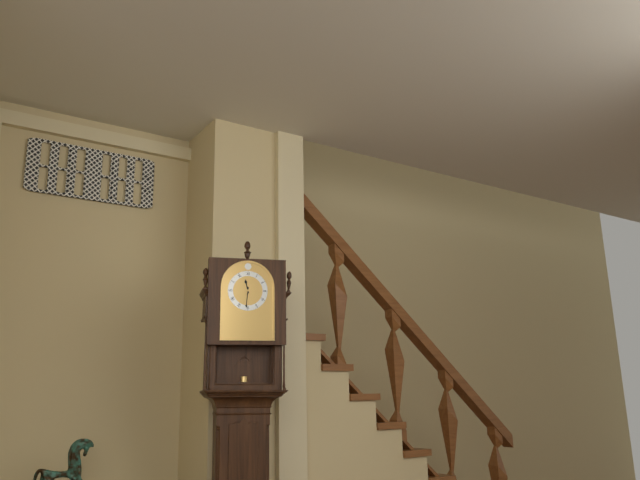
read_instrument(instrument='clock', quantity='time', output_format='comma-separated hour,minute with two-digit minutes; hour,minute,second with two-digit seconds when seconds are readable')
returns 11,31
